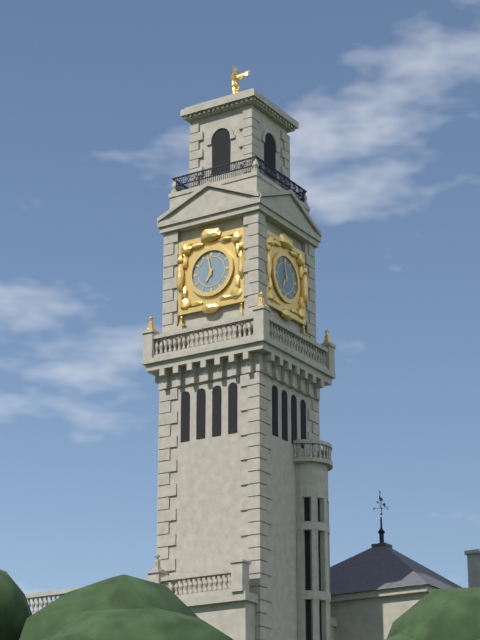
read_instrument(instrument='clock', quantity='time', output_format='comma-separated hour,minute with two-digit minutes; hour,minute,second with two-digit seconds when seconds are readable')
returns 6,58
